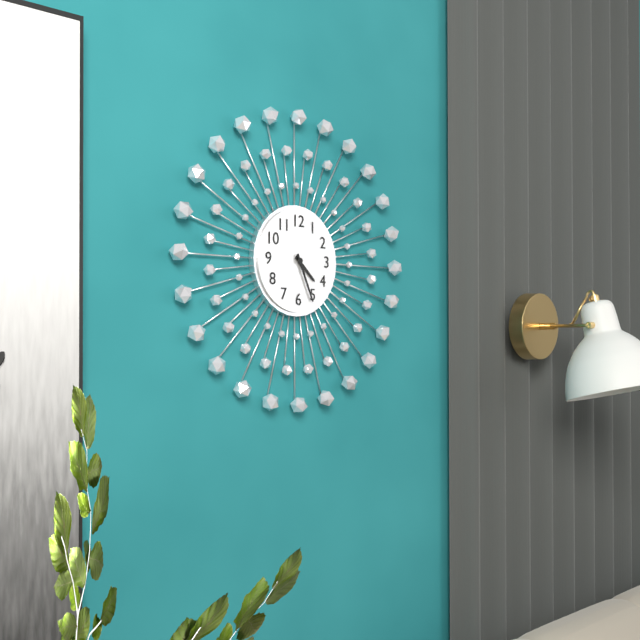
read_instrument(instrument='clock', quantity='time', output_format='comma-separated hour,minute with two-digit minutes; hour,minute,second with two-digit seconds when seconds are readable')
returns 4,26
